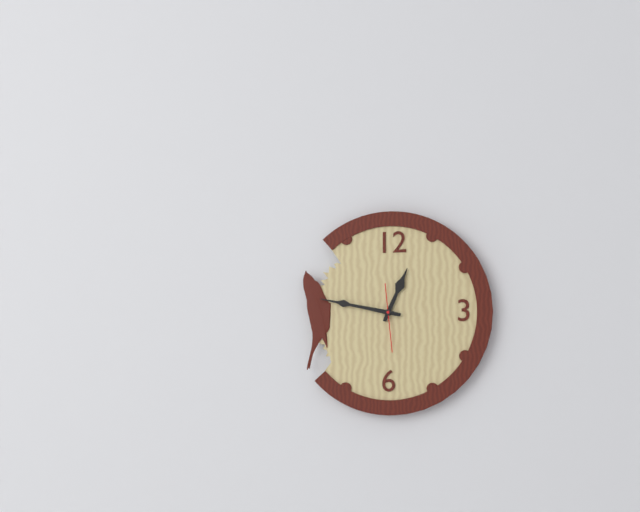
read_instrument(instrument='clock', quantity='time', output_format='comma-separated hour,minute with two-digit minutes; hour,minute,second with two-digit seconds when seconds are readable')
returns 12,47,29
